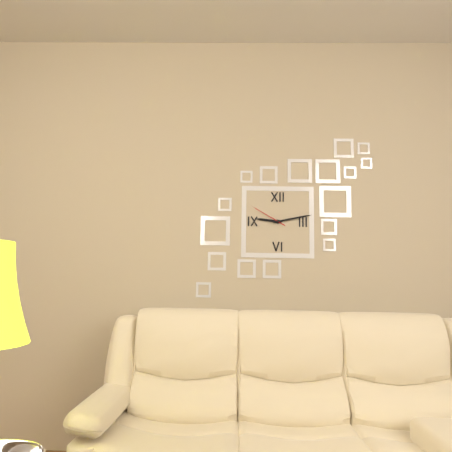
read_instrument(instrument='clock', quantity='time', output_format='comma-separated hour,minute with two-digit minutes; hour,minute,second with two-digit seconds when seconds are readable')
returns 9,13
